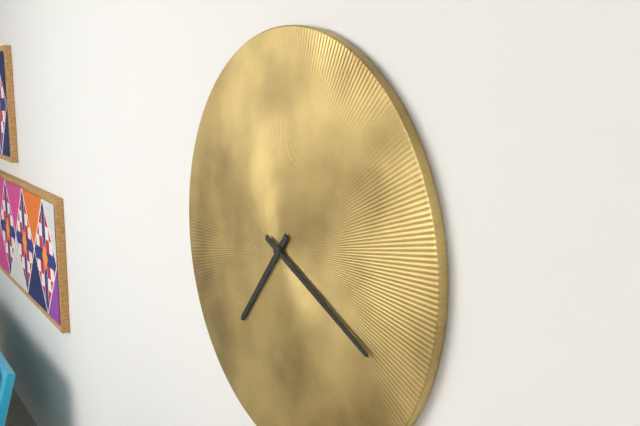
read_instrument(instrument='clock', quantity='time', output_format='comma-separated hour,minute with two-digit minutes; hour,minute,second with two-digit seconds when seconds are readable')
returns 7,19
